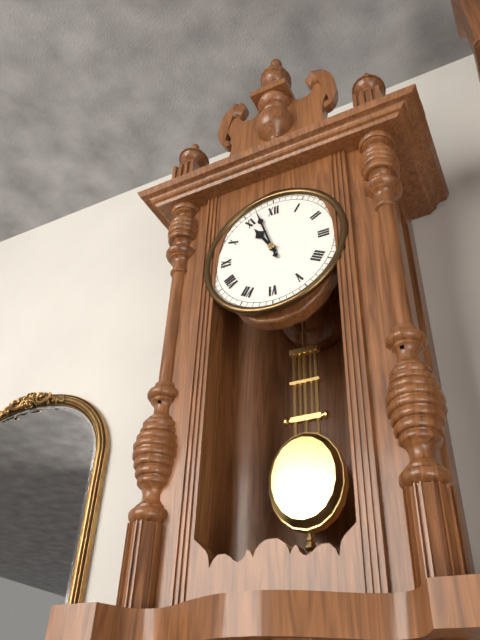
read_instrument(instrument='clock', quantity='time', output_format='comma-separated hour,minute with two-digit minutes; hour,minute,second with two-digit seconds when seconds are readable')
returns 10,57
